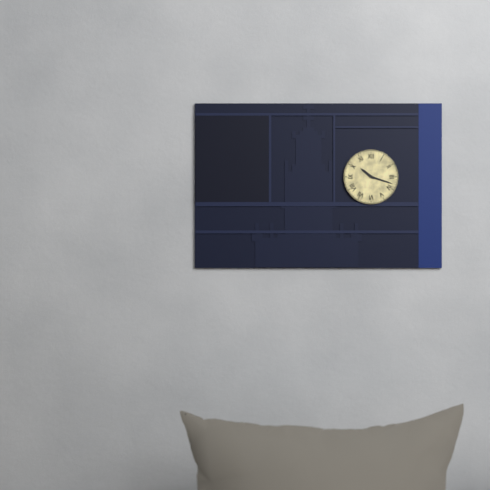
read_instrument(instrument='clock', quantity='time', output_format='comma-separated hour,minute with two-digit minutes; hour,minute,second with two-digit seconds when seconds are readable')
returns 10,18
